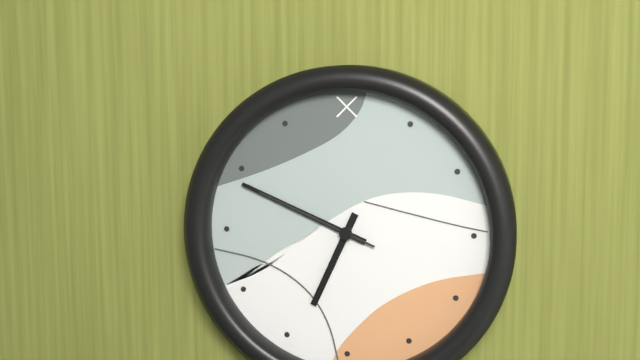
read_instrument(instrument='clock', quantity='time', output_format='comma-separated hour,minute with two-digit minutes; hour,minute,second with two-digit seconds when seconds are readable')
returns 6,49,49
